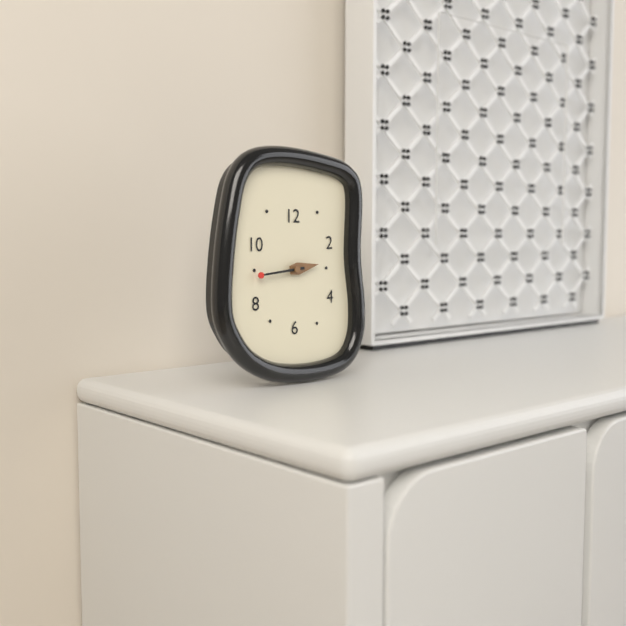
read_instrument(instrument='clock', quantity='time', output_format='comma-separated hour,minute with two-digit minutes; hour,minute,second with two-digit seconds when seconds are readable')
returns 2,44
